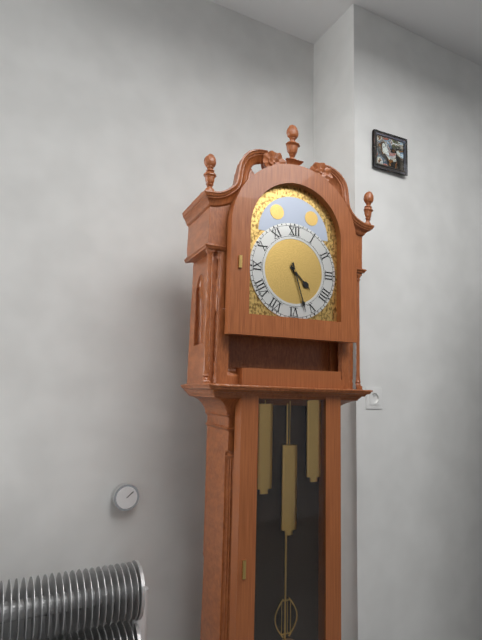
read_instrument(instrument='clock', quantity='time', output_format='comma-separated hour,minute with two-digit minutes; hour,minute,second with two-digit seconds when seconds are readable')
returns 4,27
